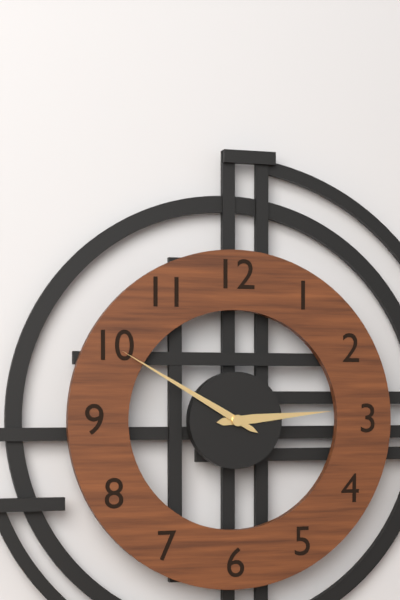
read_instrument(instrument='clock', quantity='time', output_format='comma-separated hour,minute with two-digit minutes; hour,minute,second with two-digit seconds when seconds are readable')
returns 2,50
